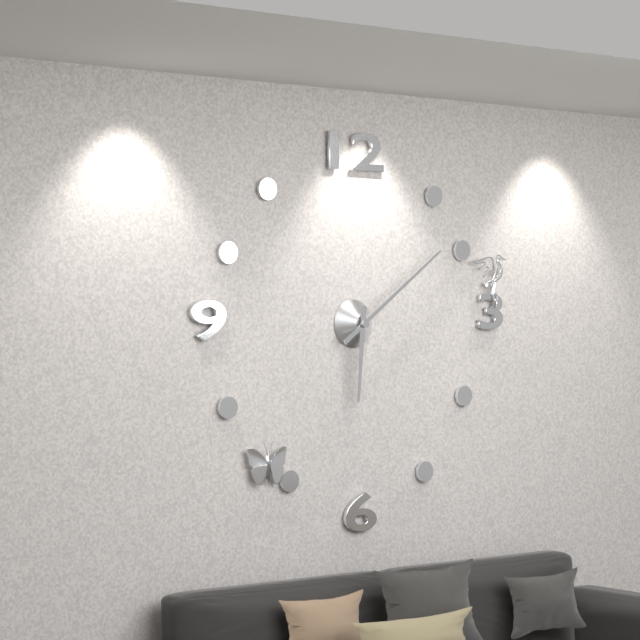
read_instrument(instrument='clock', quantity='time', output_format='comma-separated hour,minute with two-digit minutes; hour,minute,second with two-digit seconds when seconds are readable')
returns 6,09
